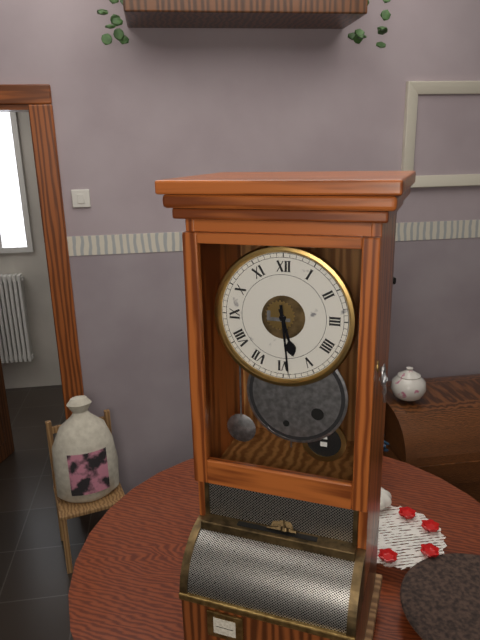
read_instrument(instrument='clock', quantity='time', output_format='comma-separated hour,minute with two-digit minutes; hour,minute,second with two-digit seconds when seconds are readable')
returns 5,29
